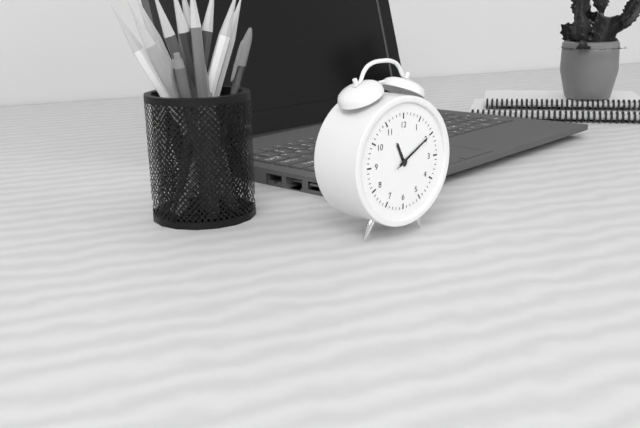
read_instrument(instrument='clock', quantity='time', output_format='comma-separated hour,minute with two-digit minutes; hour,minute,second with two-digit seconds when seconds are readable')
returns 11,10
